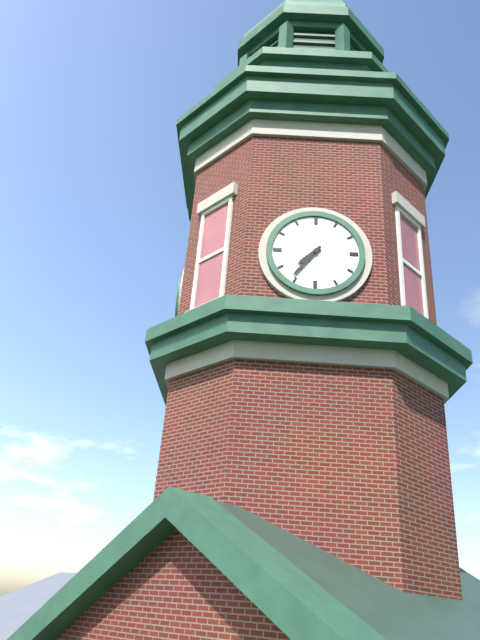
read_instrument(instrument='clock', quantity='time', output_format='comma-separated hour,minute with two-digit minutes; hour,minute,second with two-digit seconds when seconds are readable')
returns 7,36
